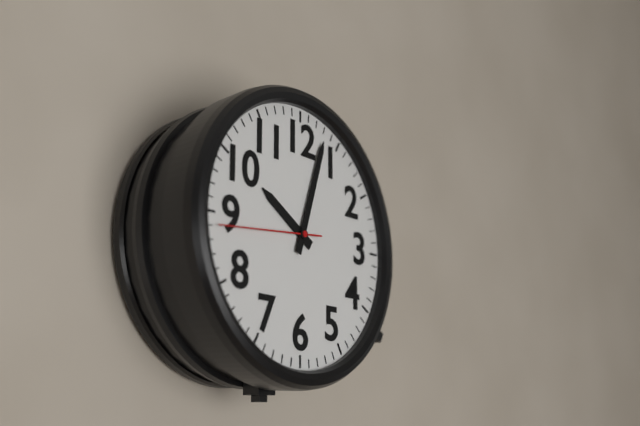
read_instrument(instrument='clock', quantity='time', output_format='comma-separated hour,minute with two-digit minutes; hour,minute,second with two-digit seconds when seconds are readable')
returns 10,03,44
